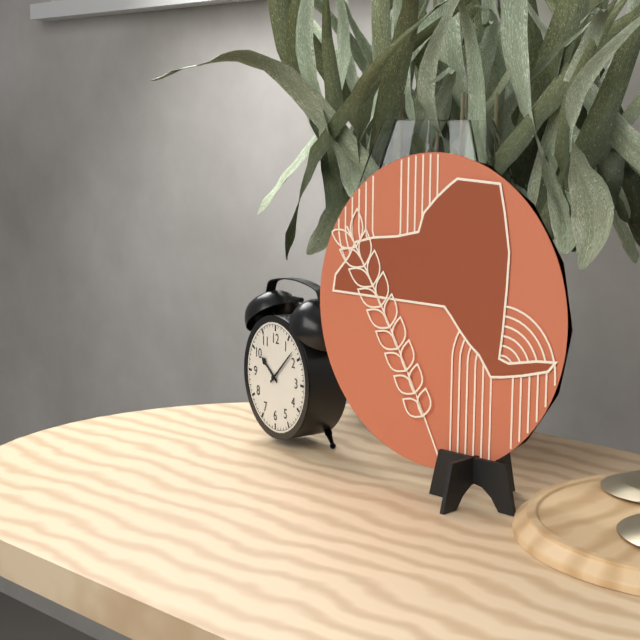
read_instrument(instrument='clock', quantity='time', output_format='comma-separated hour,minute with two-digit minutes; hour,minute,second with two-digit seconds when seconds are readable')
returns 10,08
